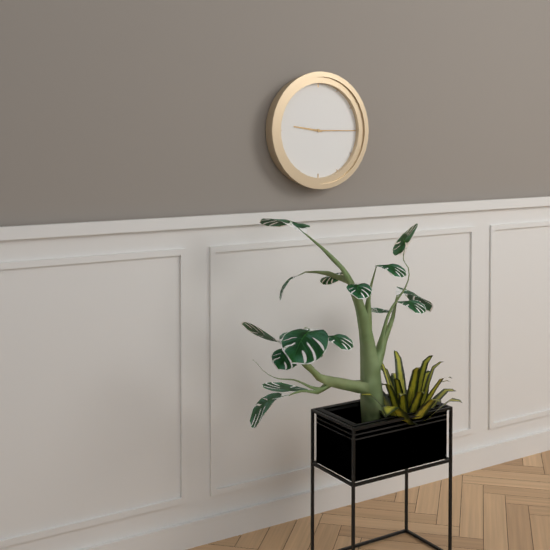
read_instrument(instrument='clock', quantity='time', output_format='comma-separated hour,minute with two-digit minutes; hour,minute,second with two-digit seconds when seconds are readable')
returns 9,15
